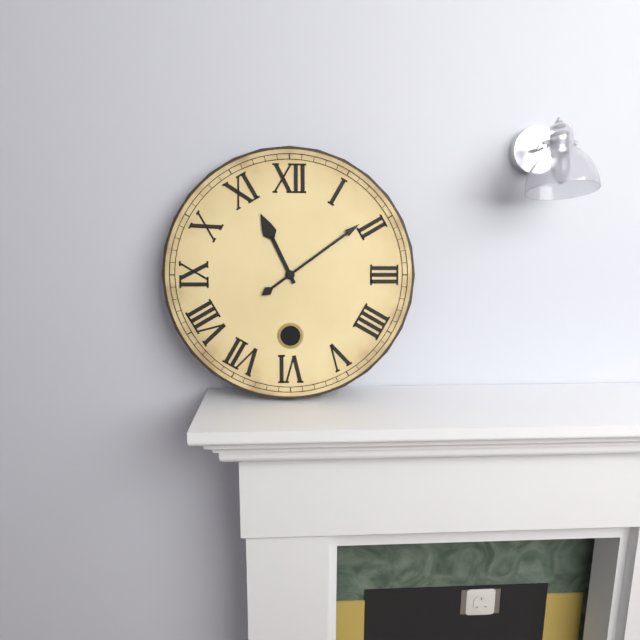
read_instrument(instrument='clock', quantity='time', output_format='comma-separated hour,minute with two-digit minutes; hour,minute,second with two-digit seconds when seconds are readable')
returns 11,09
